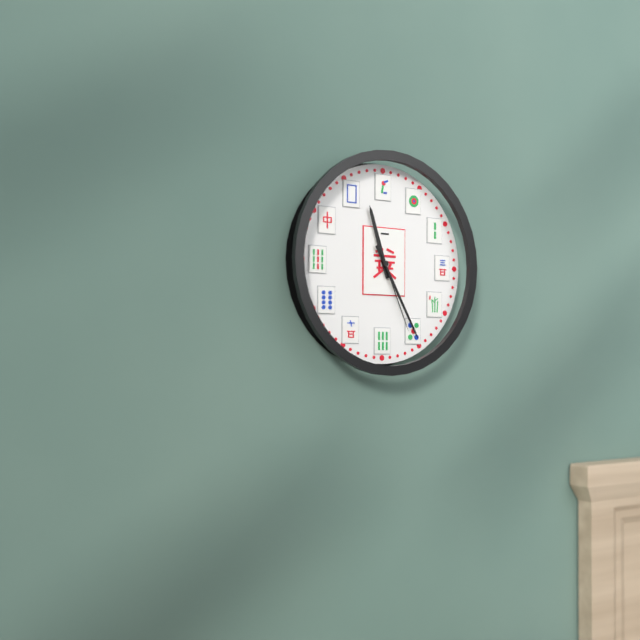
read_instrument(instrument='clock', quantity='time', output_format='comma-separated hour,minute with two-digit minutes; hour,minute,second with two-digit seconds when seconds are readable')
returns 11,25,26
